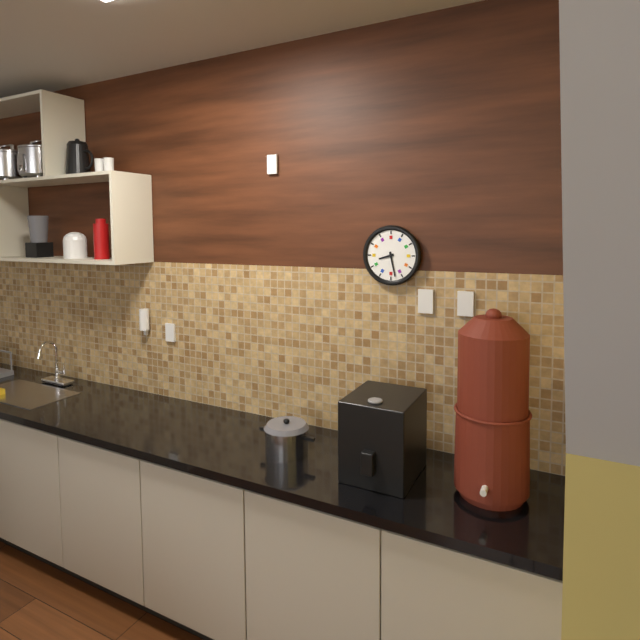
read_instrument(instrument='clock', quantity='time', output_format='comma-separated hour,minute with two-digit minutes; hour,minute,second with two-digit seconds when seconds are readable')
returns 8,28
